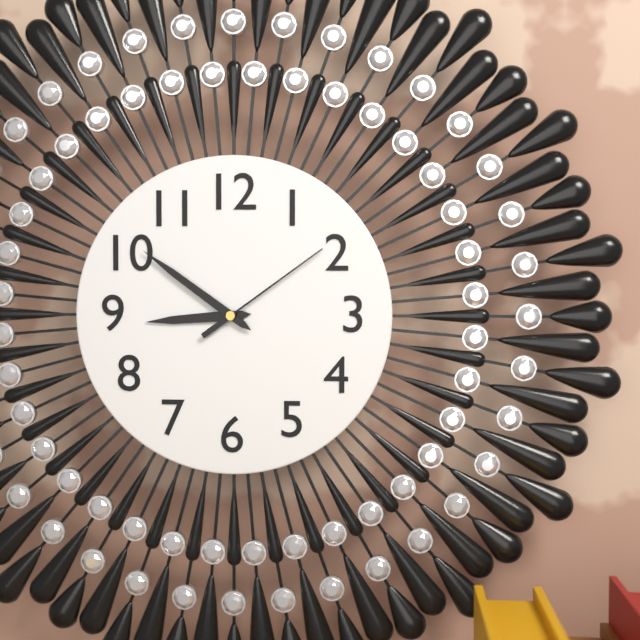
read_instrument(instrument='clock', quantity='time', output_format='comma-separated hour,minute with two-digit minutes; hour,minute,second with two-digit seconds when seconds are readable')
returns 8,51,09
